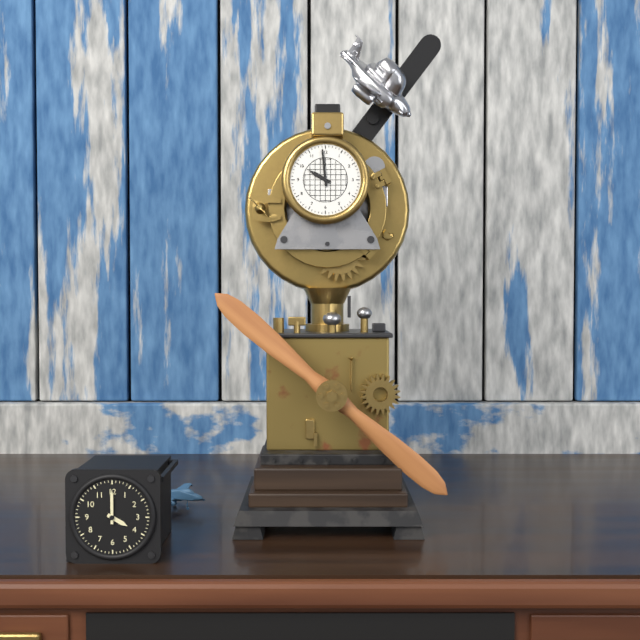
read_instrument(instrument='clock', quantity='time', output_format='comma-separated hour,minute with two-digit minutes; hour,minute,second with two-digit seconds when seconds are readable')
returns 9,59
